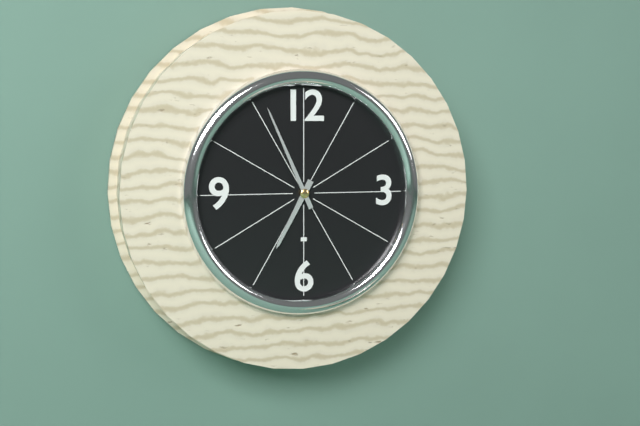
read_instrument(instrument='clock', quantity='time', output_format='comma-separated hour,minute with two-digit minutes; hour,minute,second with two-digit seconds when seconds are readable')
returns 6,56
